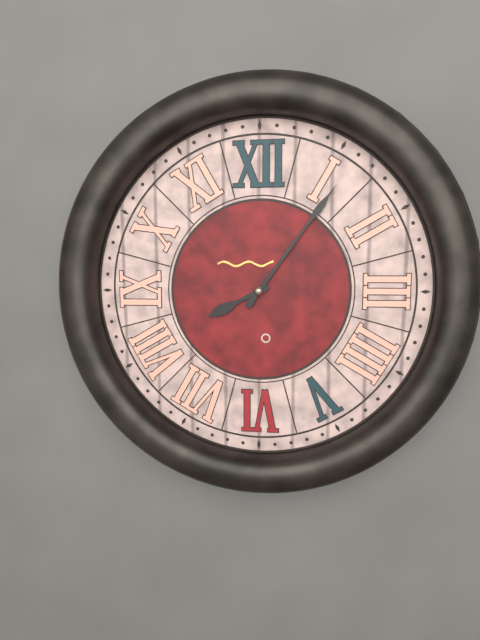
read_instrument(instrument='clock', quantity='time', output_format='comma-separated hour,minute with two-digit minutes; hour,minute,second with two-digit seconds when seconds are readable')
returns 8,06
